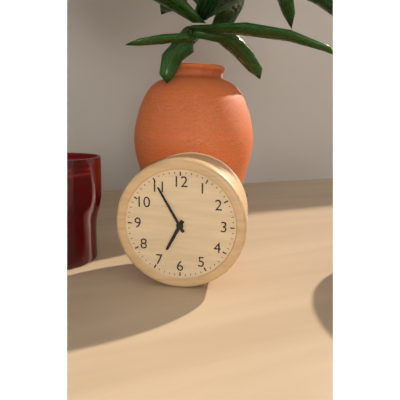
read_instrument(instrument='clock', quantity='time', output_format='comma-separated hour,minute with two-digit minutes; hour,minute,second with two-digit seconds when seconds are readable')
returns 6,55
